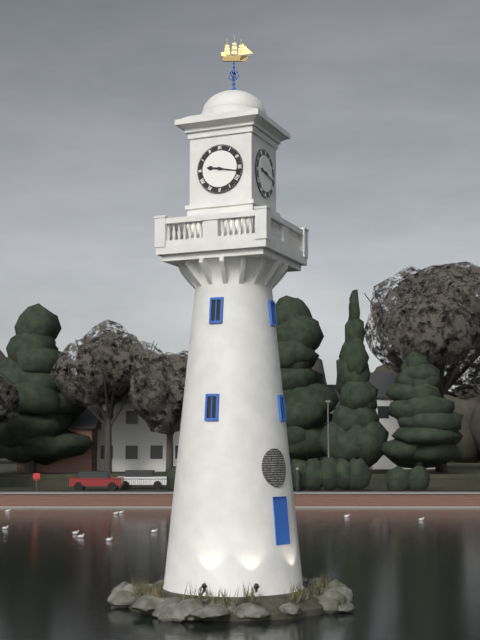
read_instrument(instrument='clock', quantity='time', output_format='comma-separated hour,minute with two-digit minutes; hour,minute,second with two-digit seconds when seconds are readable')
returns 9,17
